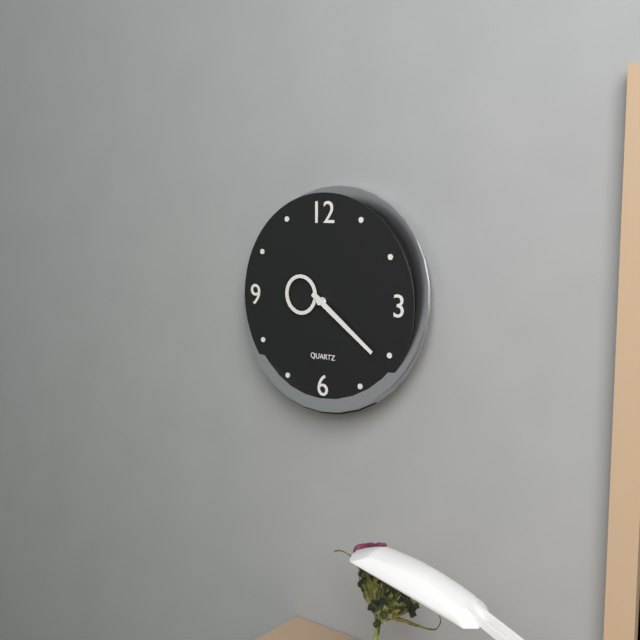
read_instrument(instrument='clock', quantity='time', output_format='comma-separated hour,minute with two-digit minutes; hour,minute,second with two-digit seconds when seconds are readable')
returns 9,21
